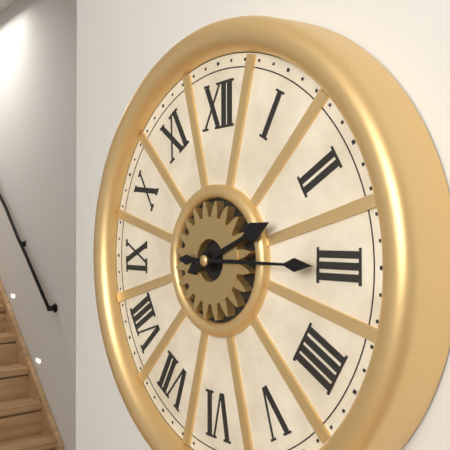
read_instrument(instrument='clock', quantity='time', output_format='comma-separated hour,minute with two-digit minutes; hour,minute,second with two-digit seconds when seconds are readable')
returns 2,15
